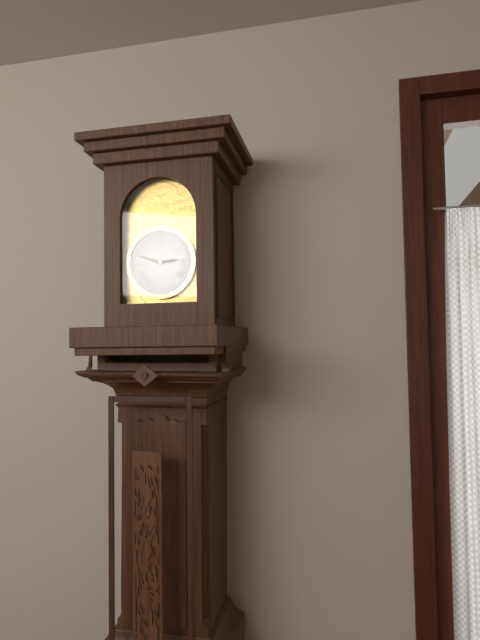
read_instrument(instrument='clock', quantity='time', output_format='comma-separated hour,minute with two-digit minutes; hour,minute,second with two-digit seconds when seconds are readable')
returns 2,48
